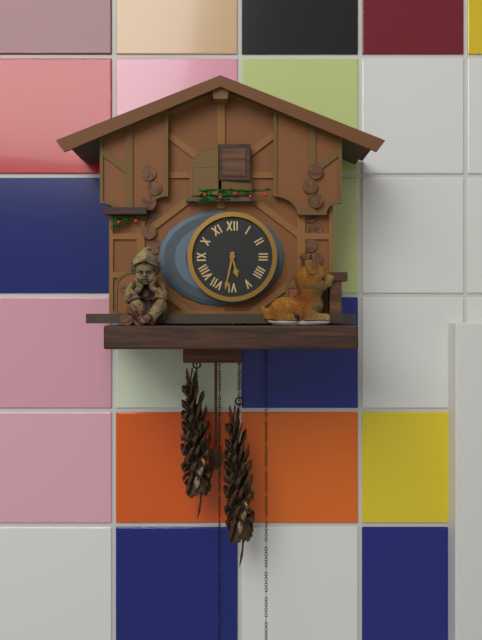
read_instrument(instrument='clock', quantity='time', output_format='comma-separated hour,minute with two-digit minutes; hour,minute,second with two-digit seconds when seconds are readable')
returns 5,32
